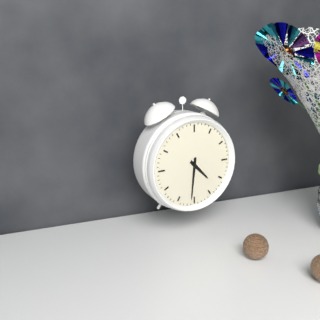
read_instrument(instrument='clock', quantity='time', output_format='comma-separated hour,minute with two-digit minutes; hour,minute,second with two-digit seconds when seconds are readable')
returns 4,31
